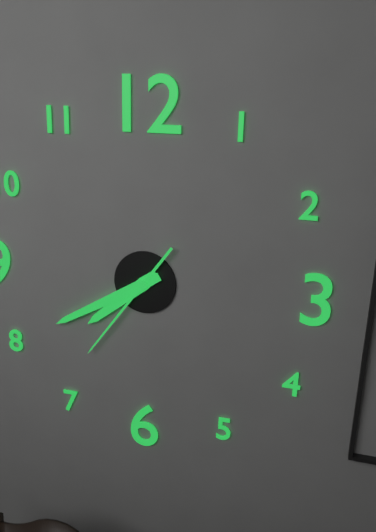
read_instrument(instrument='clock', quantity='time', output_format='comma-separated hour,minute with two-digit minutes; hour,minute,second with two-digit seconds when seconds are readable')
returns 7,40,36
